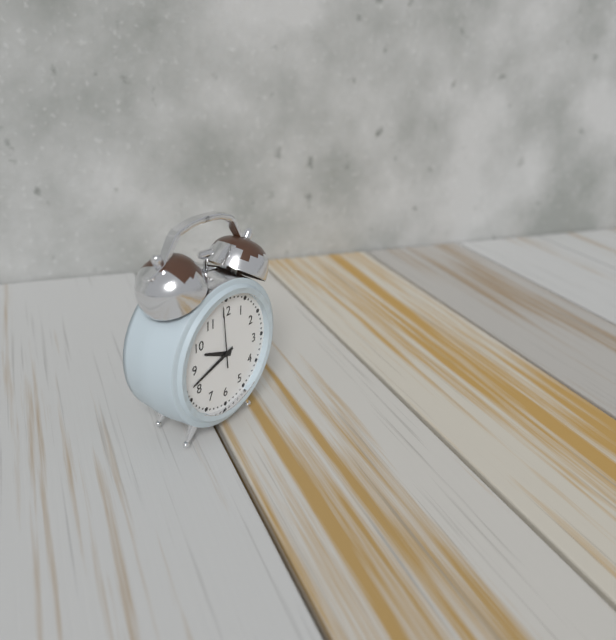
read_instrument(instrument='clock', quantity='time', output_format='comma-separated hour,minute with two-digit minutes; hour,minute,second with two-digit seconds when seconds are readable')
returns 9,42,59
